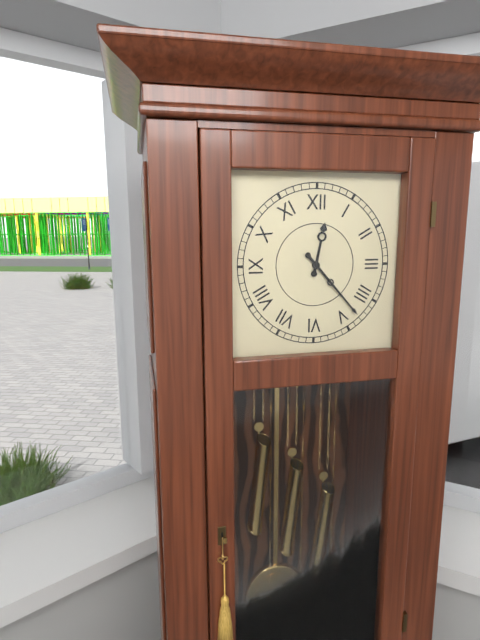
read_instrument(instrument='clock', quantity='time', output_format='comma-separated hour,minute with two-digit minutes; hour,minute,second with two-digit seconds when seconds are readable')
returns 12,23
